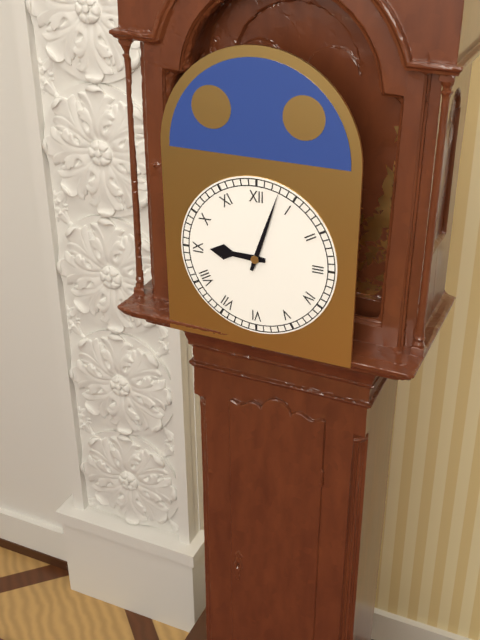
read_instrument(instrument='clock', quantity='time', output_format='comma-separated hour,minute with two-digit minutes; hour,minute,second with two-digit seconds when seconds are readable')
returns 9,03
